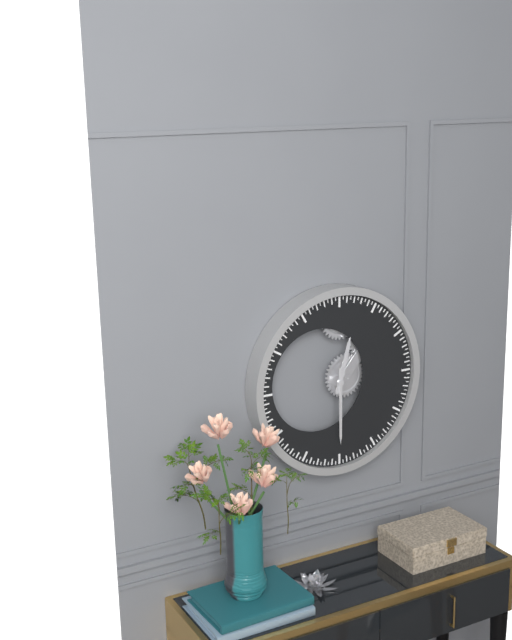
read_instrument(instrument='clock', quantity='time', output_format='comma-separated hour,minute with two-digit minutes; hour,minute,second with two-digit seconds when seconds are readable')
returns 12,30
